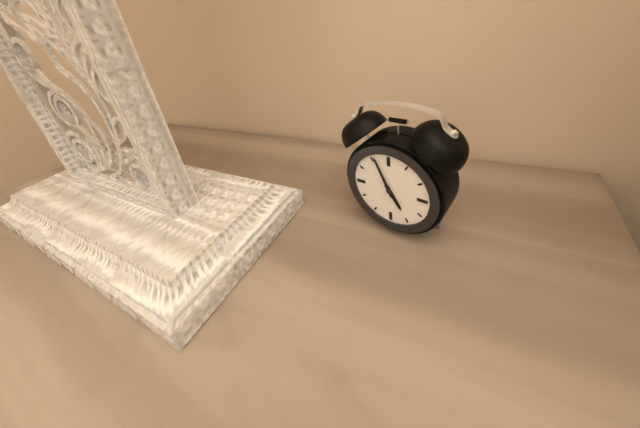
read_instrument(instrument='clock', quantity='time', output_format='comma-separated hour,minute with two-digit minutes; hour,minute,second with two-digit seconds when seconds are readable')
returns 4,56
